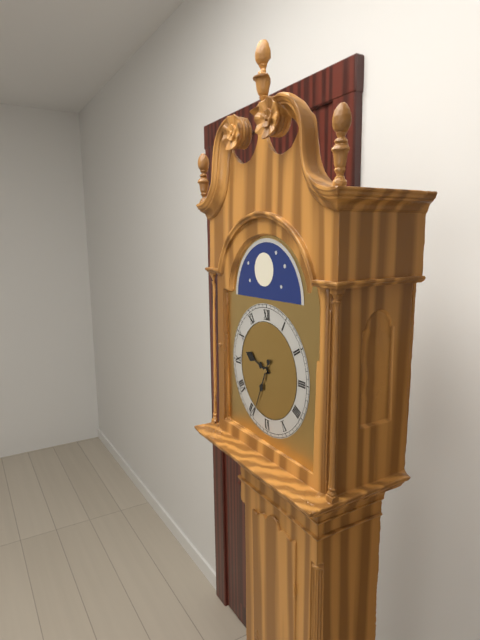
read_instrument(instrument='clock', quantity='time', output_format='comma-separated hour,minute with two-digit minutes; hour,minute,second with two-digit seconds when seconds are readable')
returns 9,34
